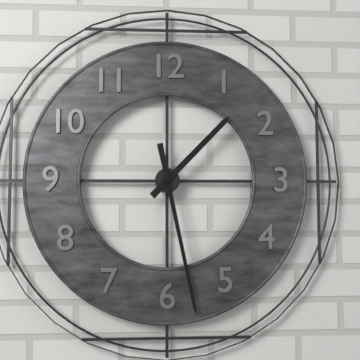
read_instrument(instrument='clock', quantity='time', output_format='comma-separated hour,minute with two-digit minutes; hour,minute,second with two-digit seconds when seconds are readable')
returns 1,28
